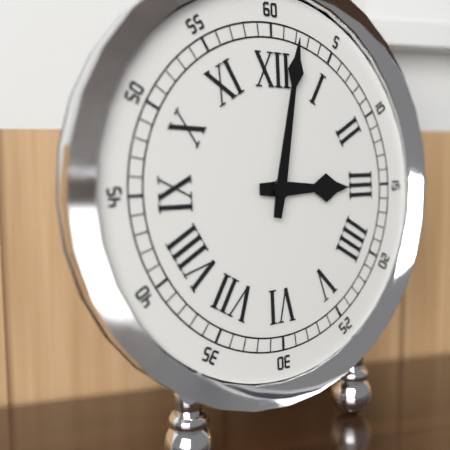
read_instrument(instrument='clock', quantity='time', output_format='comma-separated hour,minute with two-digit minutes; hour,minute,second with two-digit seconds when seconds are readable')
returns 3,02
